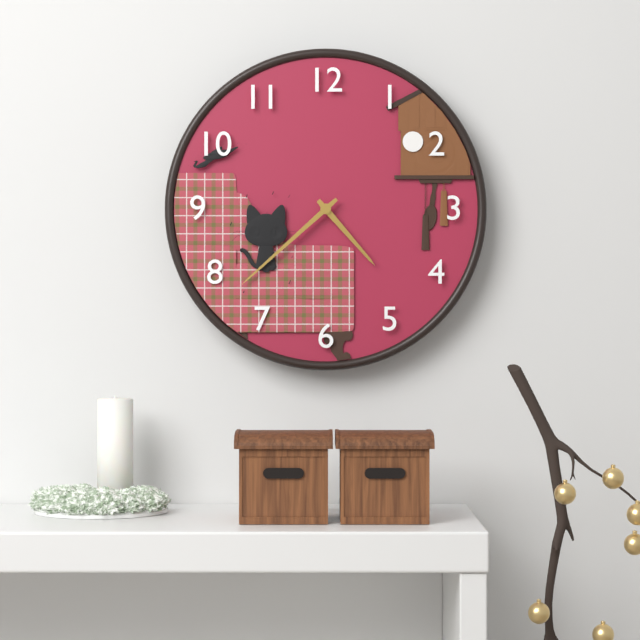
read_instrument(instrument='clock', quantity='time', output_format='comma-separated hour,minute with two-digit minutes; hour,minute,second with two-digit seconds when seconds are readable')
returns 4,38
